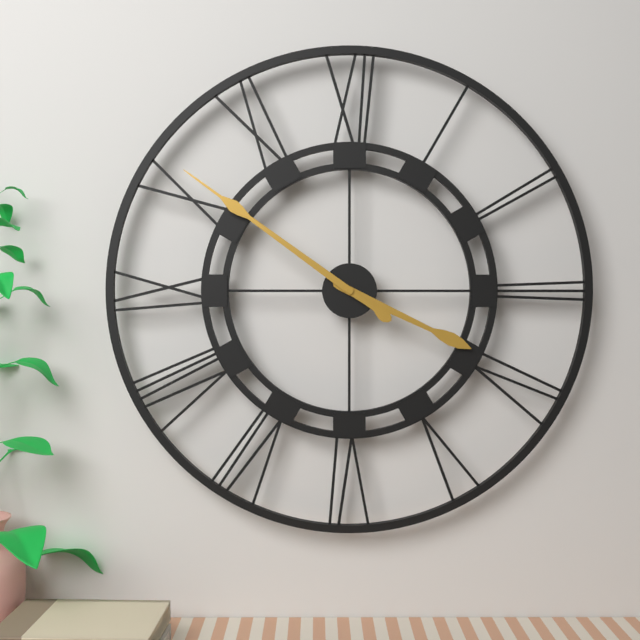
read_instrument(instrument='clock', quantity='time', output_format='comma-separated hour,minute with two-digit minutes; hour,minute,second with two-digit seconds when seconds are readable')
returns 3,51
